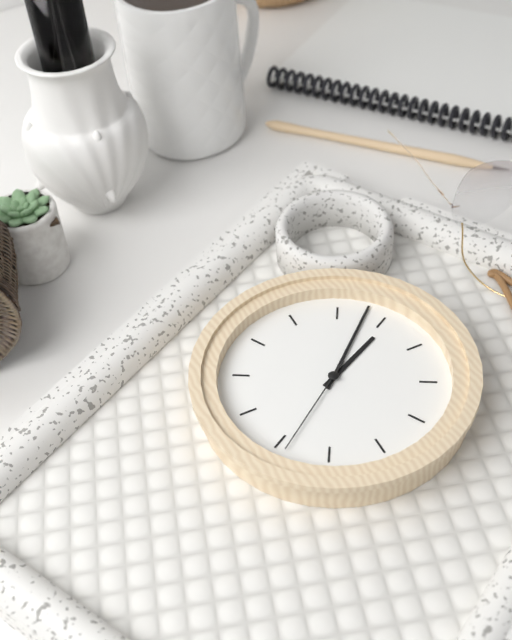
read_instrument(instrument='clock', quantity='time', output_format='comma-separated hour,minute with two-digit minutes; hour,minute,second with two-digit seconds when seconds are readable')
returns 2,08,39
